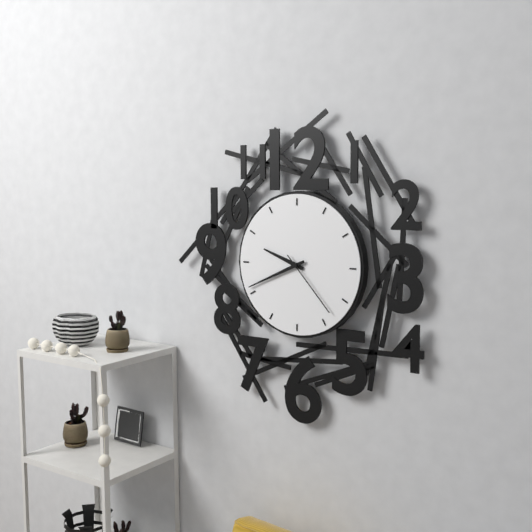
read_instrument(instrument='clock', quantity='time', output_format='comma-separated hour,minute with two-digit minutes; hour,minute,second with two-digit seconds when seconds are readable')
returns 9,41,23
